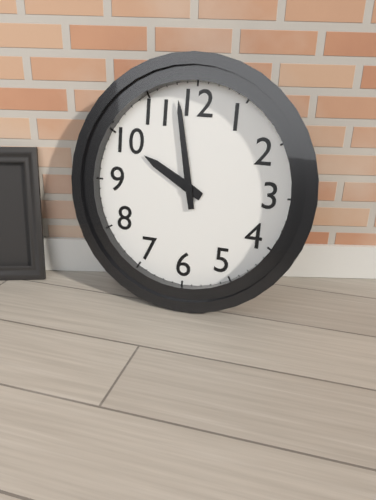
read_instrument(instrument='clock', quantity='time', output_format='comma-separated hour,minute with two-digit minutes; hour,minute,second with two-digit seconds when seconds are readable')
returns 9,58
